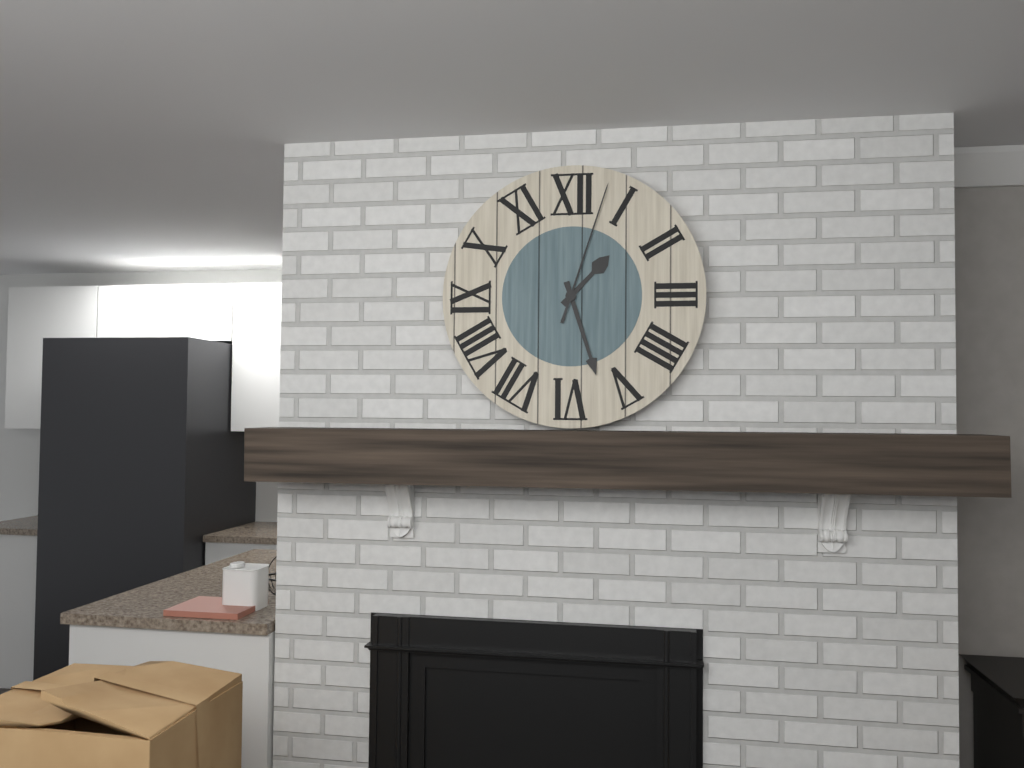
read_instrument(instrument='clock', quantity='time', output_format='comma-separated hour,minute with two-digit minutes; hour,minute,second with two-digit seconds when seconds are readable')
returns 1,27,03
